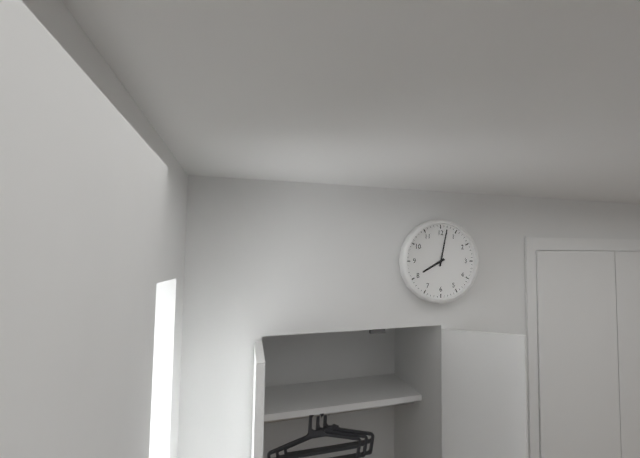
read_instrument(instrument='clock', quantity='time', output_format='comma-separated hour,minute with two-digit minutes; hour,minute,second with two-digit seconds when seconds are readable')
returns 8,02
